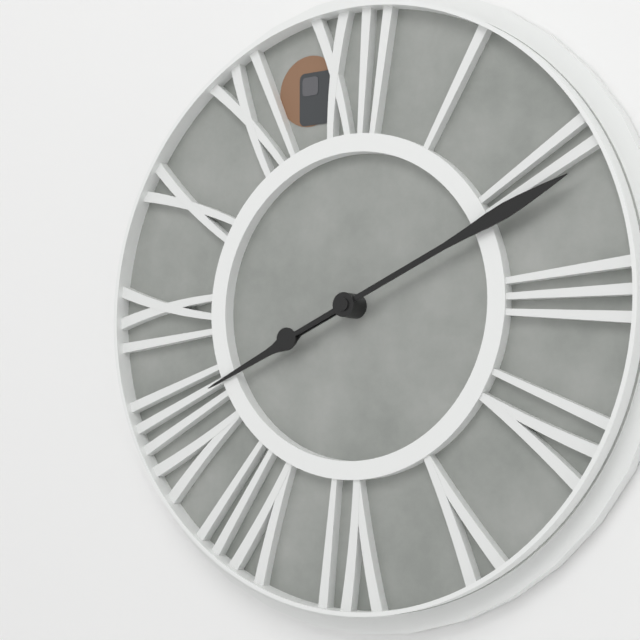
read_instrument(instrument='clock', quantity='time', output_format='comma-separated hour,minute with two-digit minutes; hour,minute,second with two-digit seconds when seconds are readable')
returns 8,11
